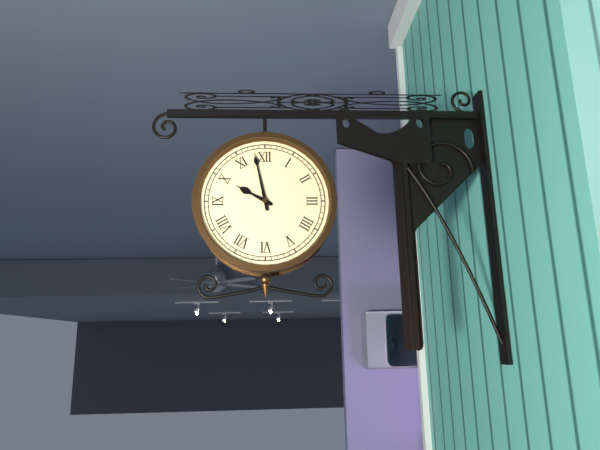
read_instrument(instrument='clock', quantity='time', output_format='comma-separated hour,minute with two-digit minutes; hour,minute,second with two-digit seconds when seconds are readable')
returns 9,58
